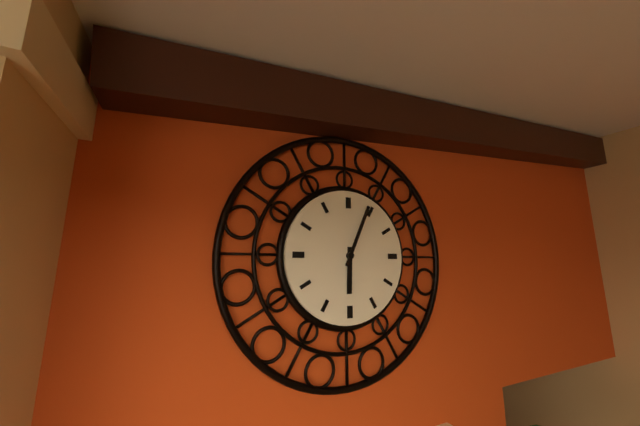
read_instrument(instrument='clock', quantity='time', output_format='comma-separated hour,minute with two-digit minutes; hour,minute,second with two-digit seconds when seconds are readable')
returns 6,04
